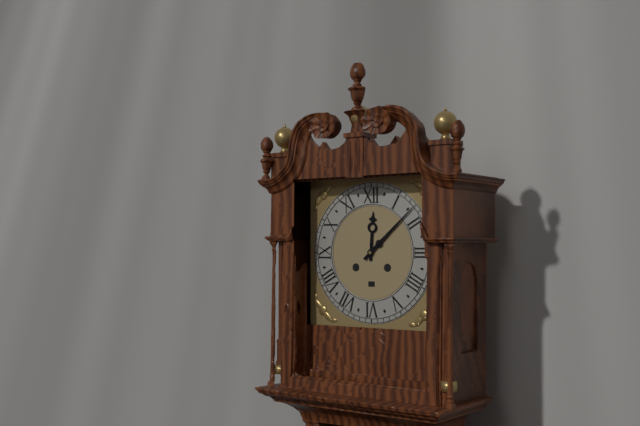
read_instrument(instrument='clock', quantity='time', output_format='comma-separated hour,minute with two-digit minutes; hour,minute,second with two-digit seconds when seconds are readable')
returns 12,08
